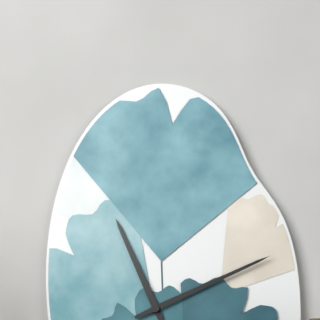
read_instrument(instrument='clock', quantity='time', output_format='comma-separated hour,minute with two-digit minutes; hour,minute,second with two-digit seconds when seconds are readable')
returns 11,11
